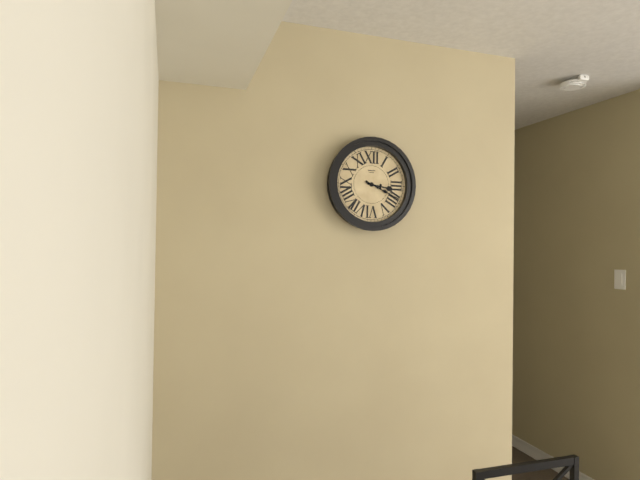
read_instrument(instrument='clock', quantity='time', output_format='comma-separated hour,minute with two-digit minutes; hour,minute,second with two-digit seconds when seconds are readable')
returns 3,19
